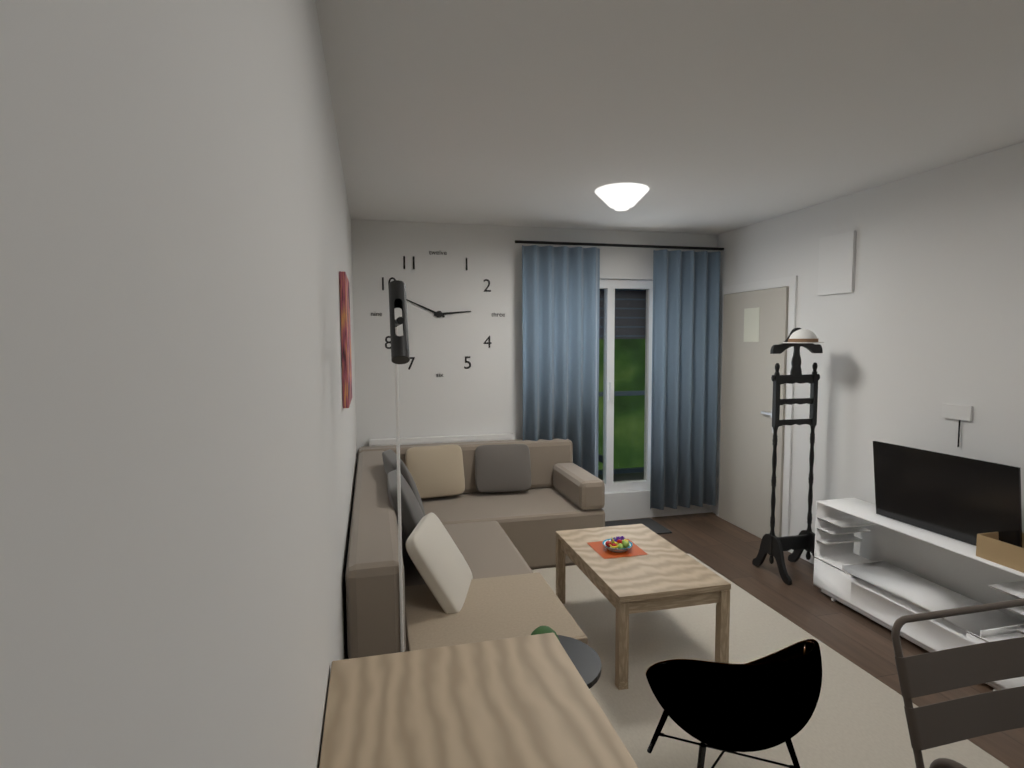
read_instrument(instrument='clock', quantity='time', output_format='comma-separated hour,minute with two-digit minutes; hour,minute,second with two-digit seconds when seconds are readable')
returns 2,49
